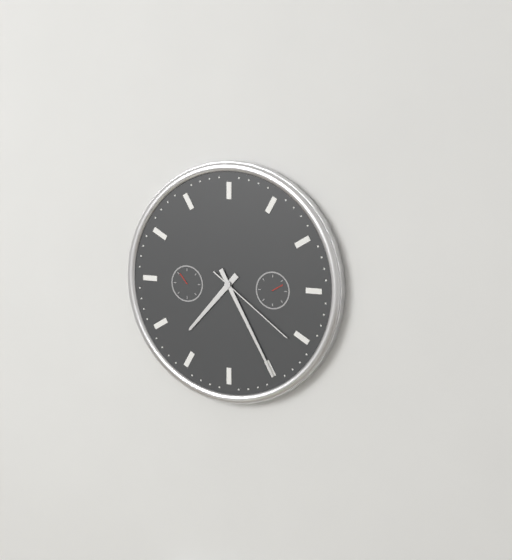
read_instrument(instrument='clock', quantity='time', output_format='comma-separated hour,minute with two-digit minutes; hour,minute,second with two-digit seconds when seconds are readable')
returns 7,25,21
